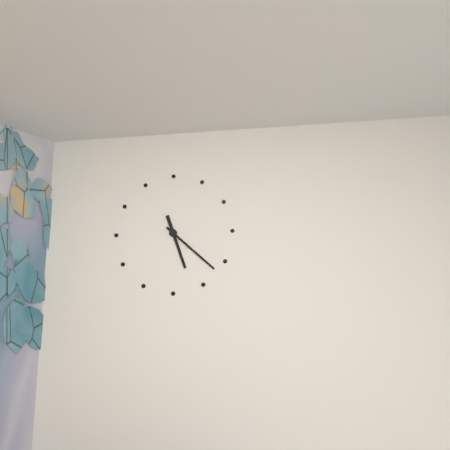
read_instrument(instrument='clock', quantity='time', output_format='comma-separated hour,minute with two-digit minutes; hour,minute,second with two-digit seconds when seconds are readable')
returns 5,22
